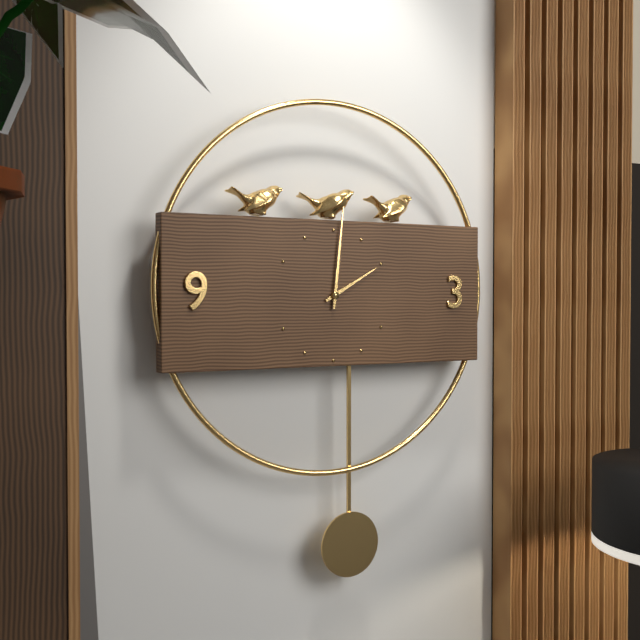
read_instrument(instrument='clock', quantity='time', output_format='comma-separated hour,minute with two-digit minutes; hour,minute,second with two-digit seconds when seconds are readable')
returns 2,01
